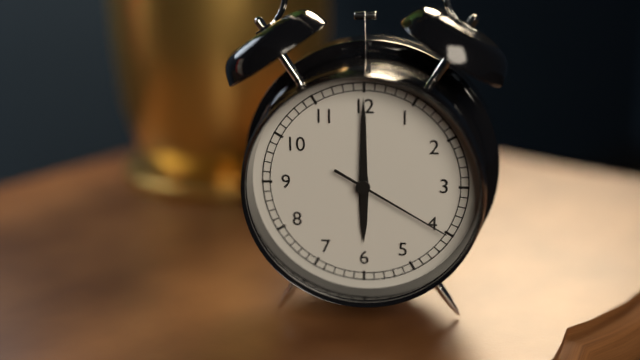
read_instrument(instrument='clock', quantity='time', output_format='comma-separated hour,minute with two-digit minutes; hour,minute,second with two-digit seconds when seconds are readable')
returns 6,00,20
